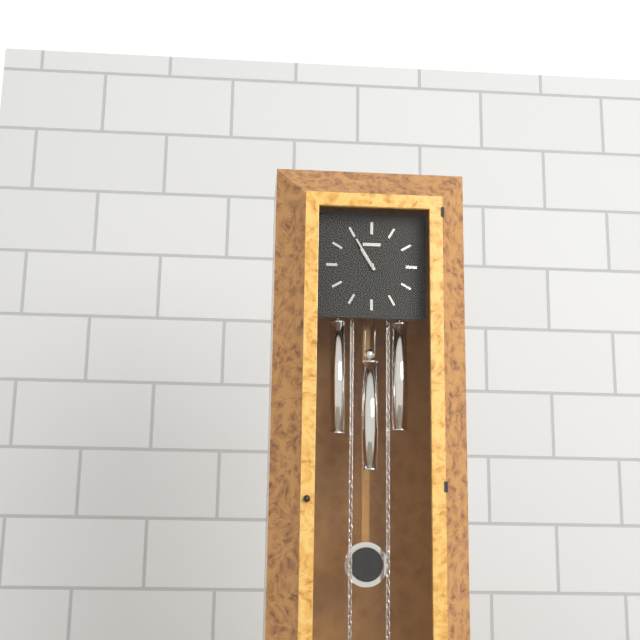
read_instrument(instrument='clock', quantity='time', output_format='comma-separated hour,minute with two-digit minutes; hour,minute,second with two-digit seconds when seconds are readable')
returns 10,55
